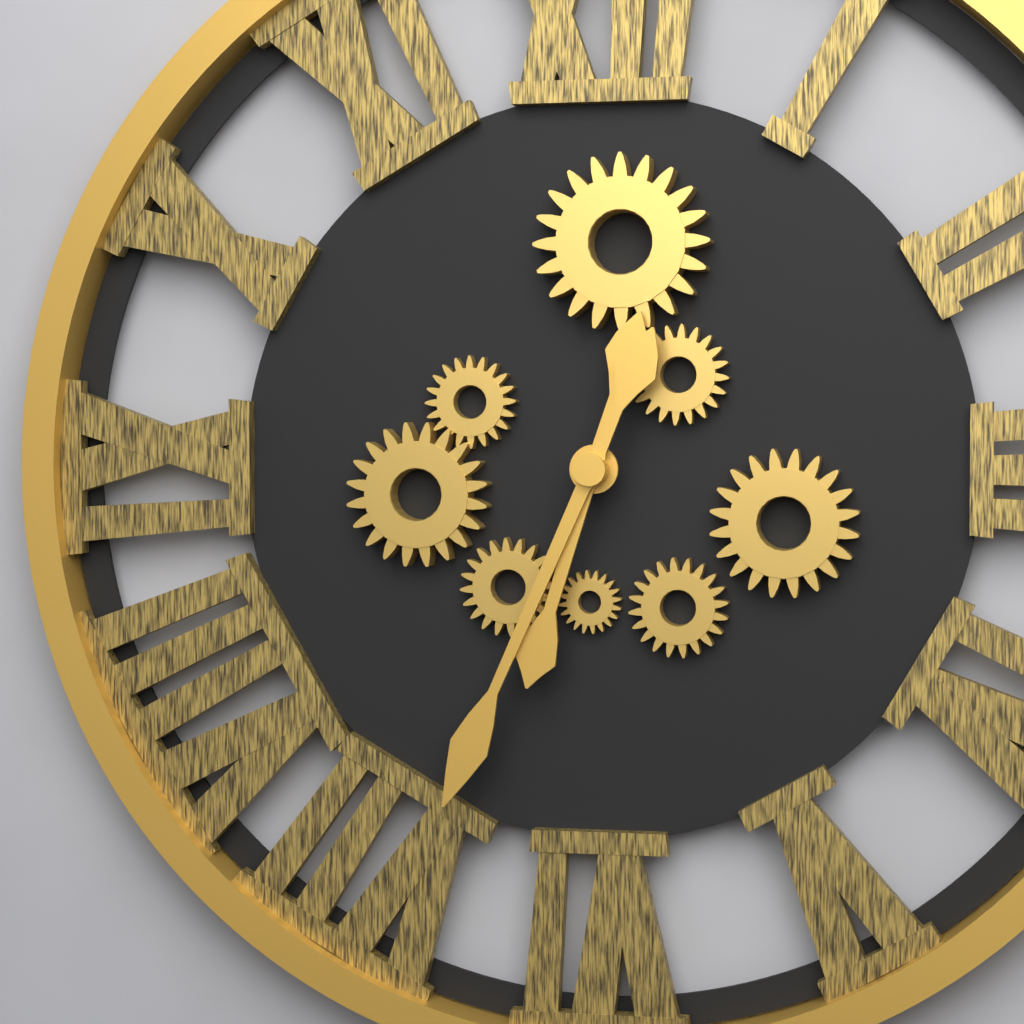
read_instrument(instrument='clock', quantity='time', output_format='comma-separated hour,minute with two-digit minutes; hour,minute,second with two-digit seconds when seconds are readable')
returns 6,34
